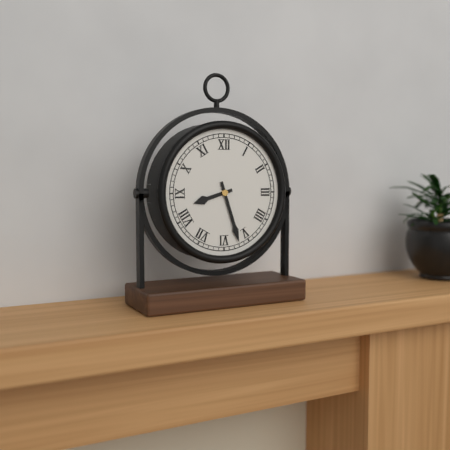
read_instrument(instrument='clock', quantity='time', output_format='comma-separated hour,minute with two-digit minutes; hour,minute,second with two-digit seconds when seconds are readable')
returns 8,27
